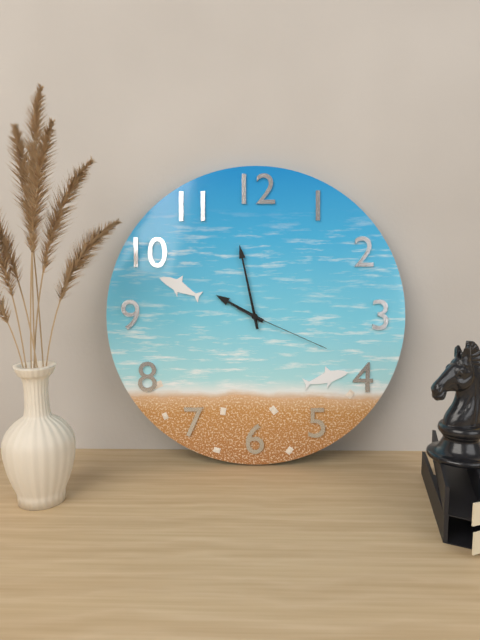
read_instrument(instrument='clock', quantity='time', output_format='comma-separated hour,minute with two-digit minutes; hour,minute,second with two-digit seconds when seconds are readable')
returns 9,58,19
